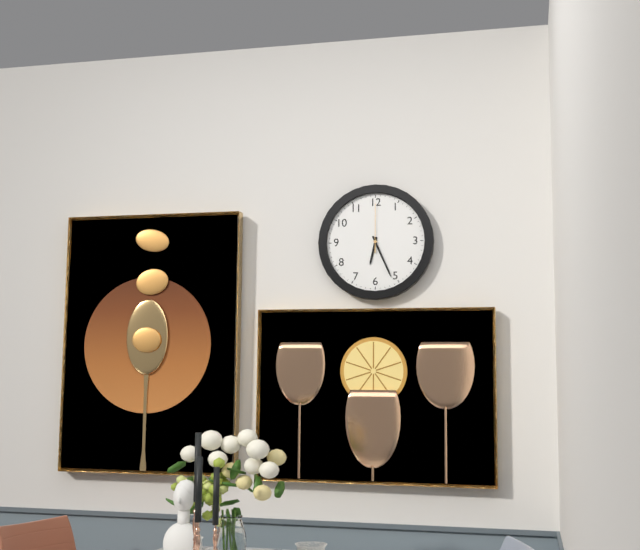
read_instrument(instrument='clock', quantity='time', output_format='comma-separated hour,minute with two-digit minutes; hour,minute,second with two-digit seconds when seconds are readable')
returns 6,26,00
